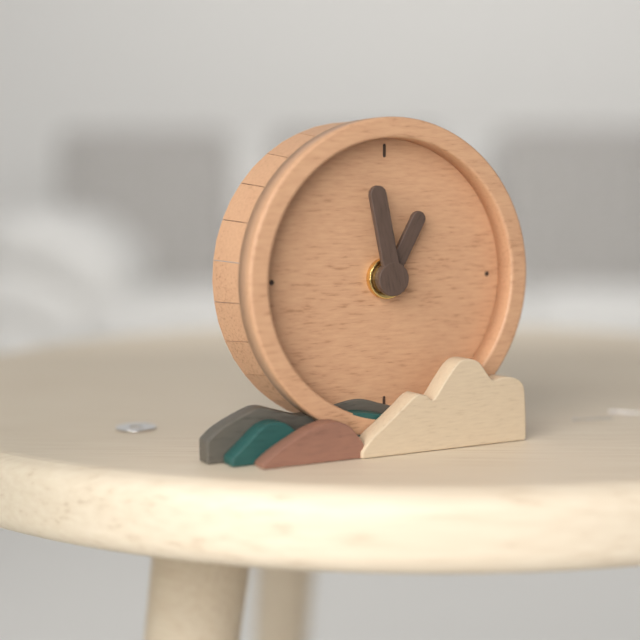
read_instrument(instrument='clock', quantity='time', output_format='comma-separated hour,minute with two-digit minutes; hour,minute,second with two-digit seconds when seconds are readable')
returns 12,58
